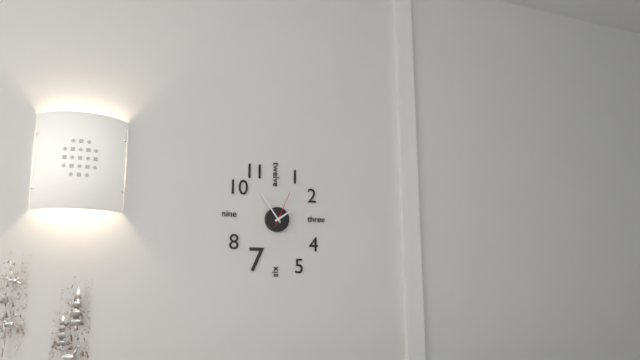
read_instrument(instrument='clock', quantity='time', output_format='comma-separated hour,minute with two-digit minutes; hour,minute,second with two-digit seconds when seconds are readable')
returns 1,54
